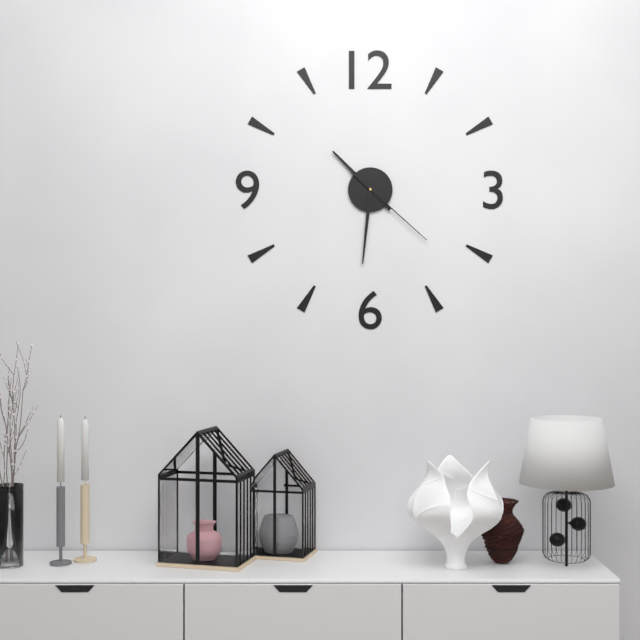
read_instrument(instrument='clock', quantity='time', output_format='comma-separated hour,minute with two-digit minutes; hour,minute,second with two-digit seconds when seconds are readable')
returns 10,31,22
